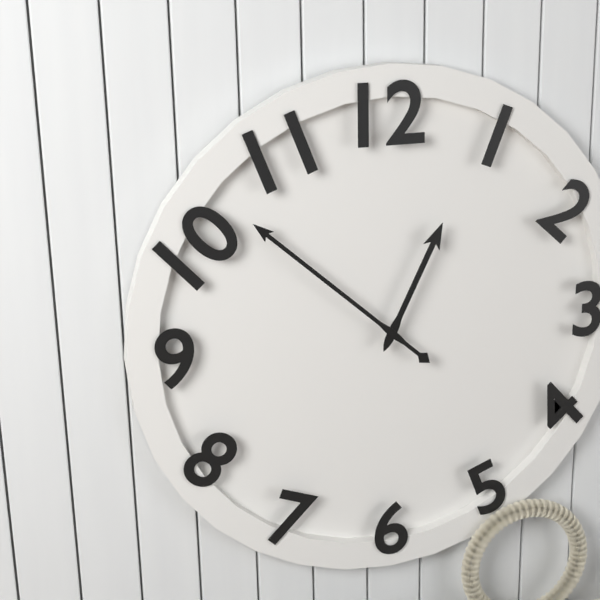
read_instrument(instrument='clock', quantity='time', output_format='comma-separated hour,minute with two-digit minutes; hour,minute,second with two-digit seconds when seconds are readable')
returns 12,52
